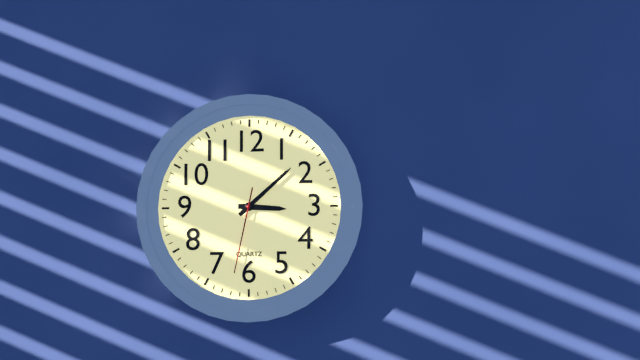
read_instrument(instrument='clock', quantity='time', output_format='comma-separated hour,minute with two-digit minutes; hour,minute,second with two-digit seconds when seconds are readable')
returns 3,08,32
